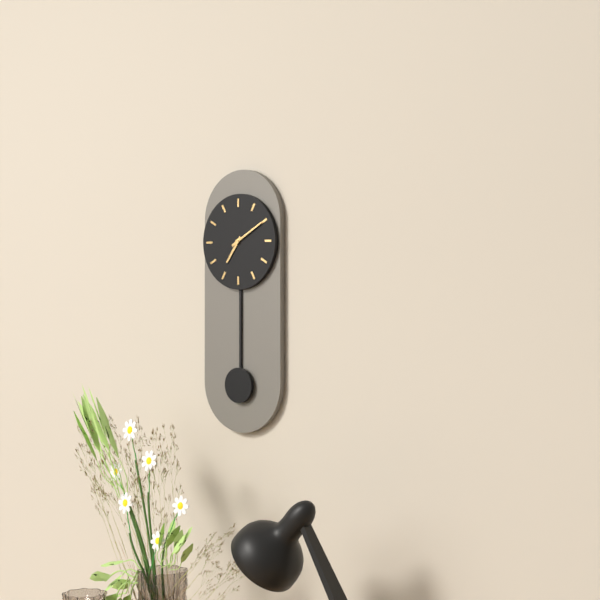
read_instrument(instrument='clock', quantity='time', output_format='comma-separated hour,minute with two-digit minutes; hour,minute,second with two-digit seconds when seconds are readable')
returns 7,10
